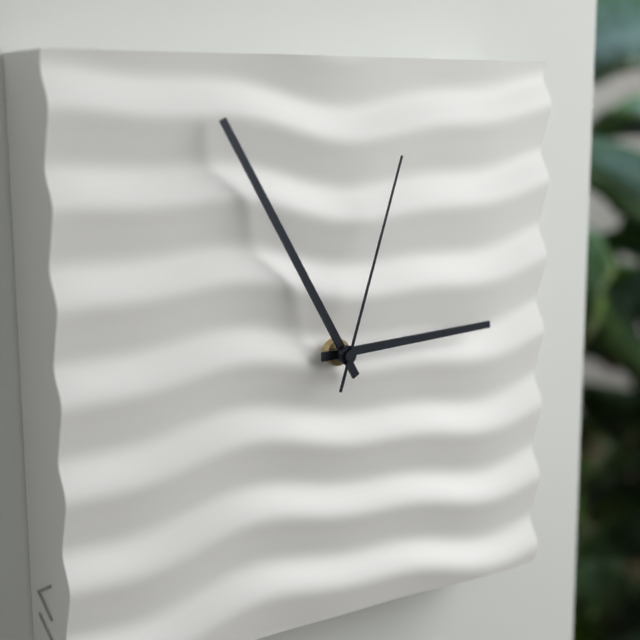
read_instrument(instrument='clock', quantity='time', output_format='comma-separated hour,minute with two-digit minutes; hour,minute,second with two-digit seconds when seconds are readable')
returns 2,55,03
